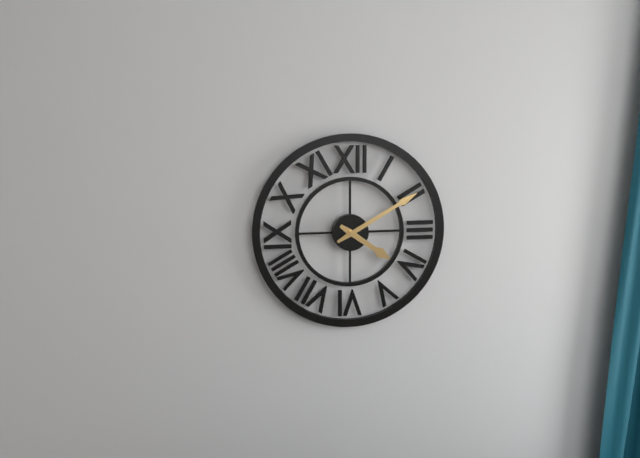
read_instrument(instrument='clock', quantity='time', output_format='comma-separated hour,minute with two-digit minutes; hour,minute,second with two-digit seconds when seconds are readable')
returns 4,10
